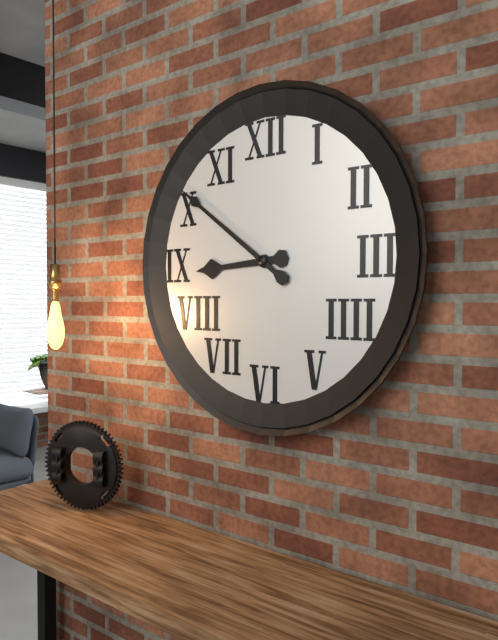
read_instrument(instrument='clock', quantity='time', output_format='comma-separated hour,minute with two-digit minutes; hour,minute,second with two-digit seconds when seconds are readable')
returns 8,51
